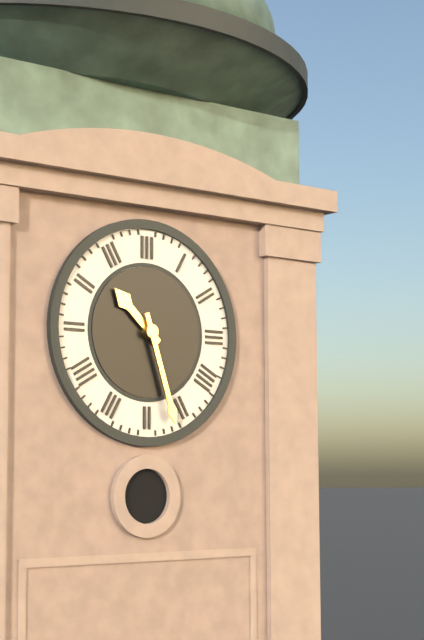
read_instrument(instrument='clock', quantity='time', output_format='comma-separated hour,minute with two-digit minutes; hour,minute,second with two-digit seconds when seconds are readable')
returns 10,27
